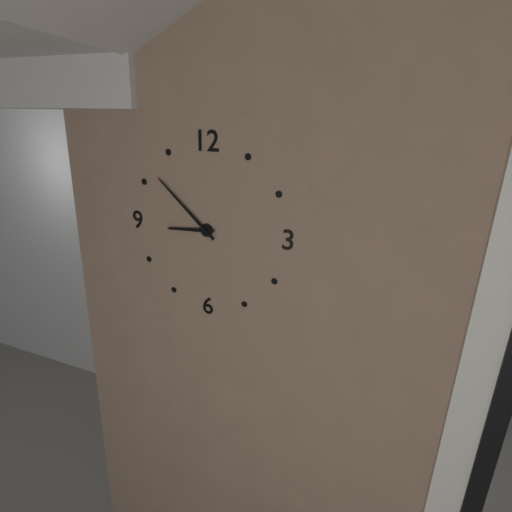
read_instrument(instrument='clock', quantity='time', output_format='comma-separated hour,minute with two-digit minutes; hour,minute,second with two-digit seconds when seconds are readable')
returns 8,52
